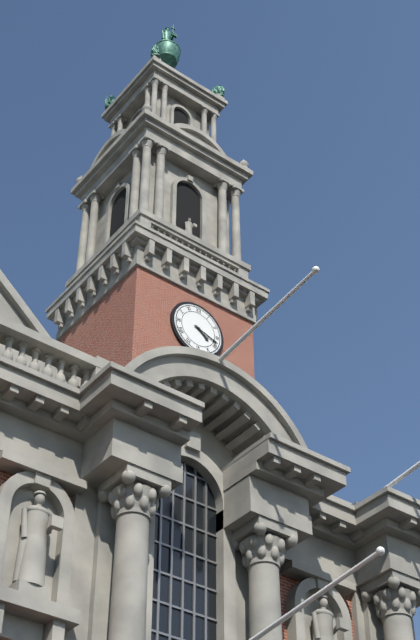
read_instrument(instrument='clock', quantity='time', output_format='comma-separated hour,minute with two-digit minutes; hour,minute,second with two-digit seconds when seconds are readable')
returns 4,18
